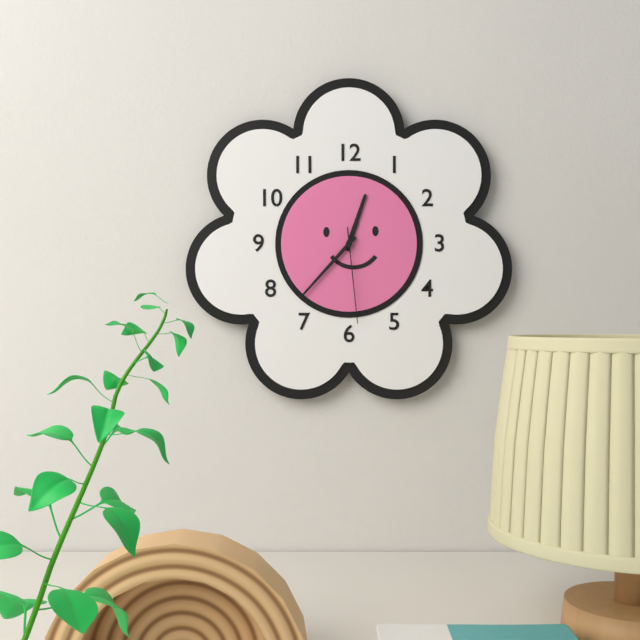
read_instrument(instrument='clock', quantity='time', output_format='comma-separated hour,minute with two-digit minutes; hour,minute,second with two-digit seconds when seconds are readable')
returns 12,37,29
